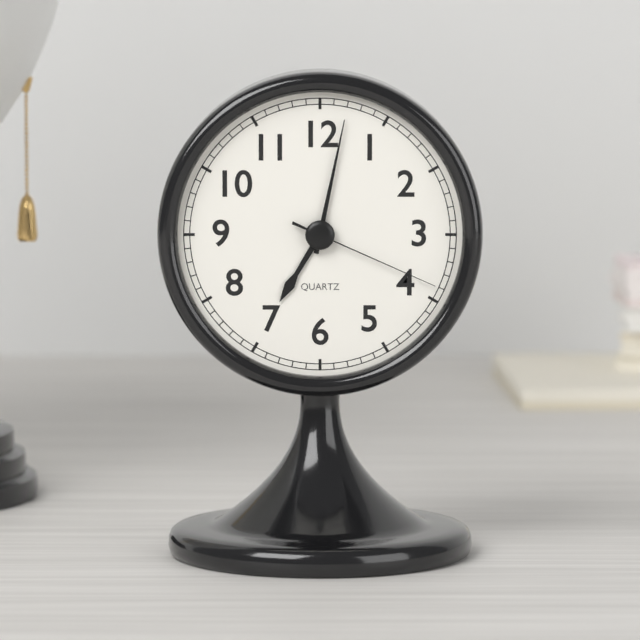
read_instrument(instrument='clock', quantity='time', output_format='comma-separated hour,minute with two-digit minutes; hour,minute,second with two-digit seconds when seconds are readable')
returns 7,02,19
